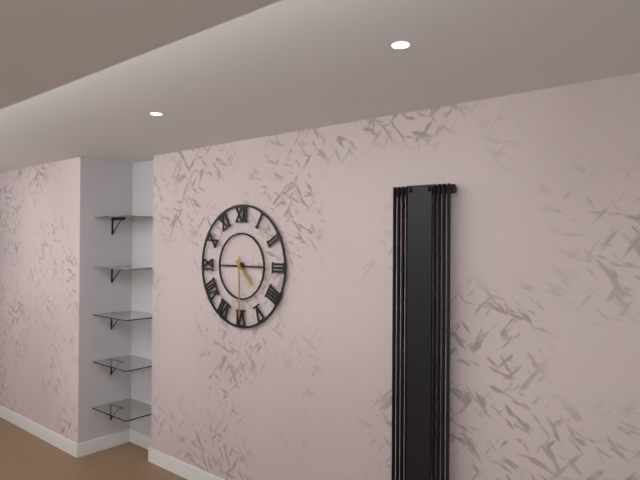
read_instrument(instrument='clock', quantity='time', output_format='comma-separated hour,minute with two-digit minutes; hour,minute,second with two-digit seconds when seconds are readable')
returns 4,30
